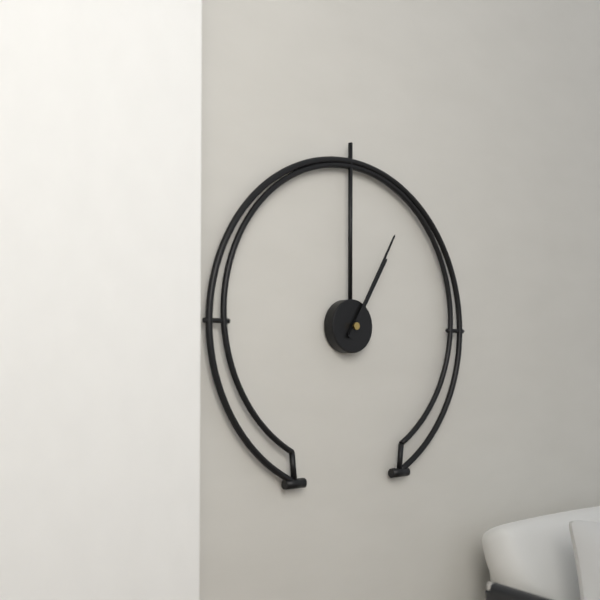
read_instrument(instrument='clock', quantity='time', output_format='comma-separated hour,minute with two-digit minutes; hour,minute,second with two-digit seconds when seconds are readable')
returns 1,05
